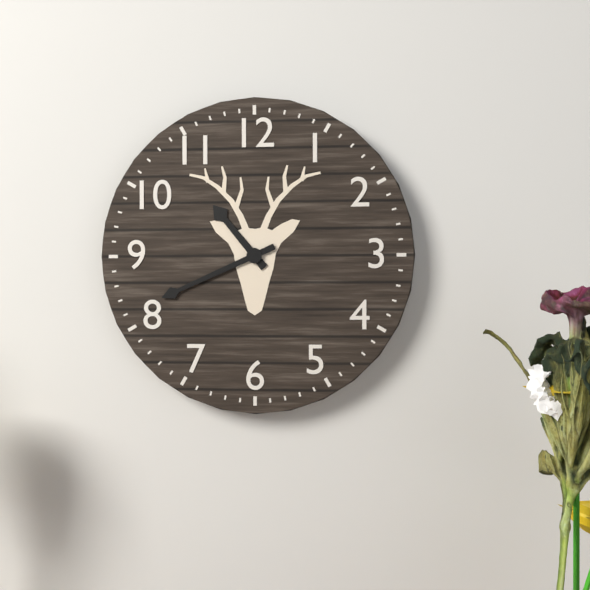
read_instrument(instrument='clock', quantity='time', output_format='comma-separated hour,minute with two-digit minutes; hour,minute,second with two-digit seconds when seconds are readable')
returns 10,41
